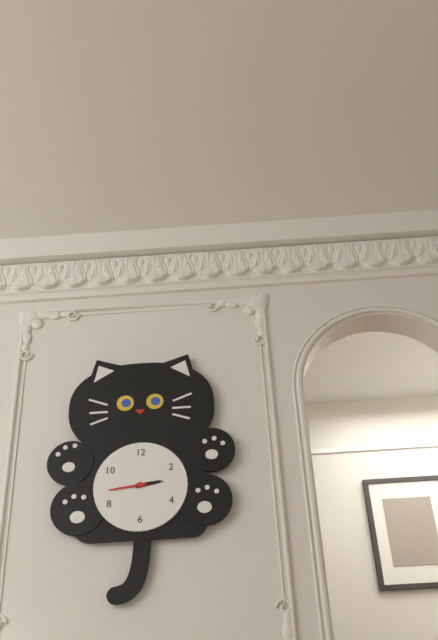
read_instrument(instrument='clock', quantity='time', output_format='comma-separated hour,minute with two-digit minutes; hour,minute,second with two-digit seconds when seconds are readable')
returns 2,44
